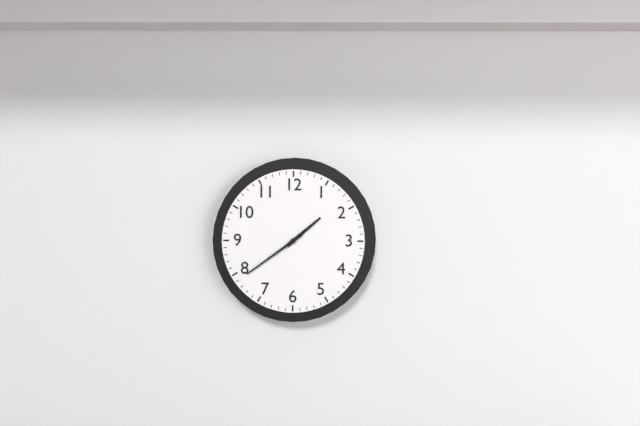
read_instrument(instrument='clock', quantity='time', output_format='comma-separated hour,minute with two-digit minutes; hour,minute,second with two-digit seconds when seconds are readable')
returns 1,39
